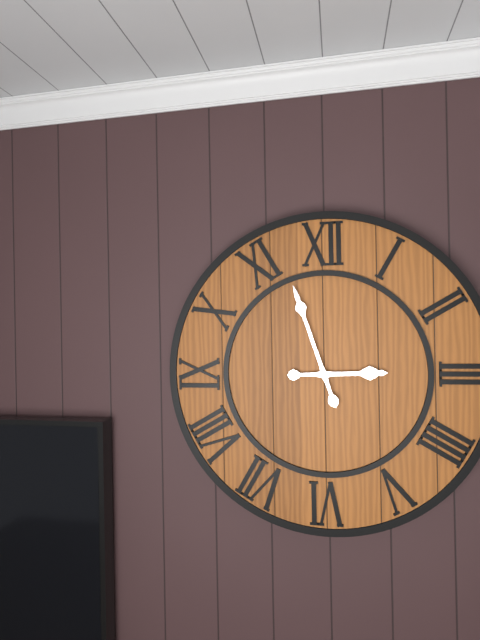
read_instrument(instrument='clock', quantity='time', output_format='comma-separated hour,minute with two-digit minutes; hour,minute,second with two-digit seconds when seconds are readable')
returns 2,57
